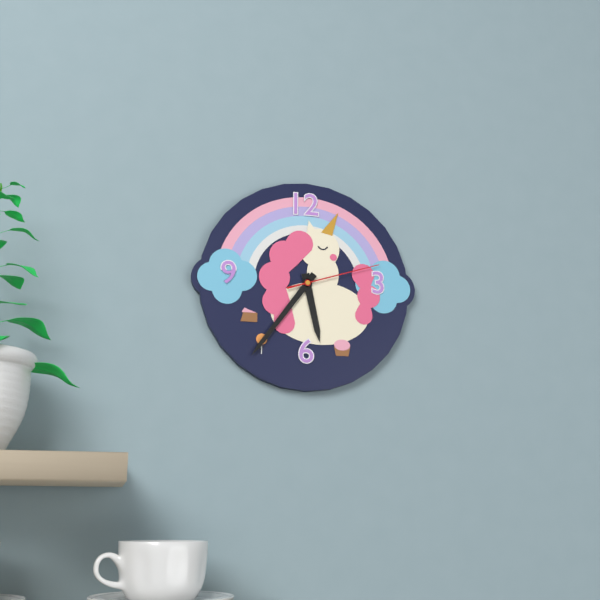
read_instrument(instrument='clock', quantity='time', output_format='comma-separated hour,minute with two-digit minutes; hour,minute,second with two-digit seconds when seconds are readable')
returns 5,36,12
